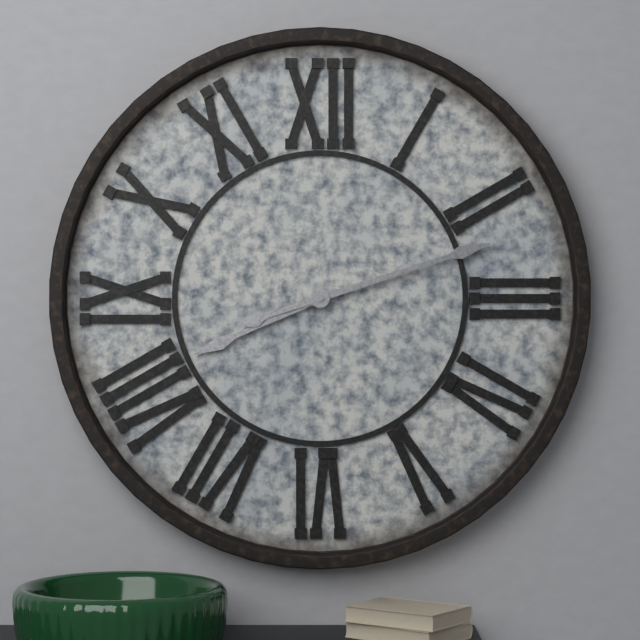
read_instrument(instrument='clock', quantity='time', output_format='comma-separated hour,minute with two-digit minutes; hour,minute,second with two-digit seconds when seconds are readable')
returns 8,12
